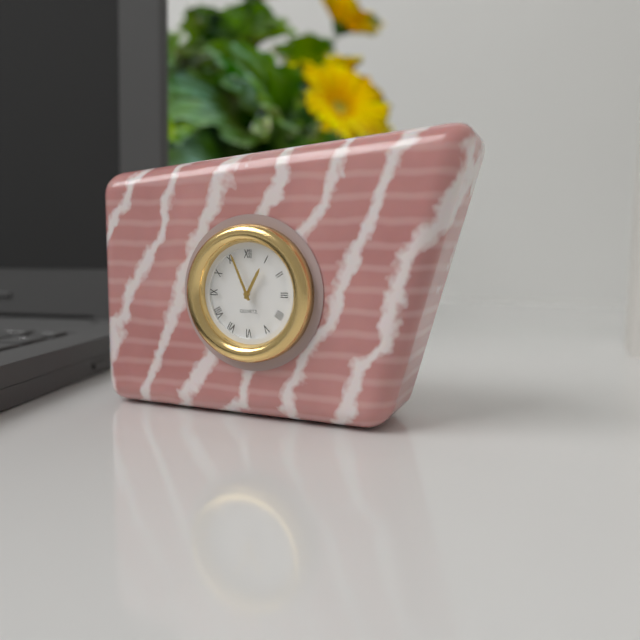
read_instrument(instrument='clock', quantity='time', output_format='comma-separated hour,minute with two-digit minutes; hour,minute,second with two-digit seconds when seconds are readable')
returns 12,56
